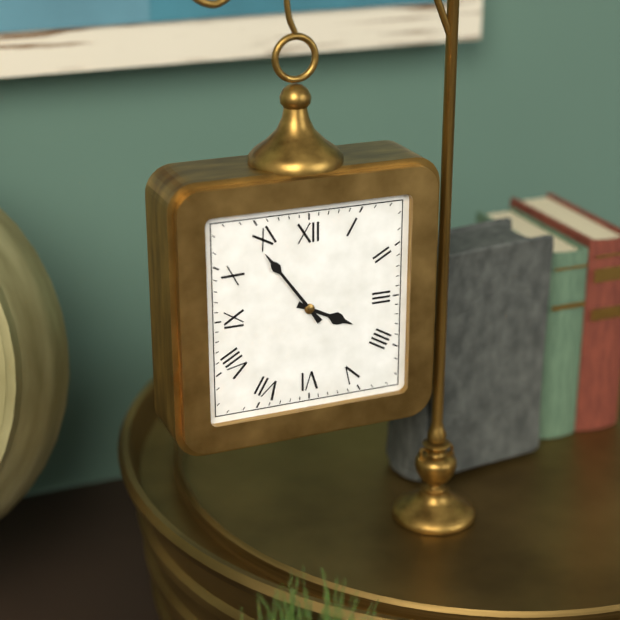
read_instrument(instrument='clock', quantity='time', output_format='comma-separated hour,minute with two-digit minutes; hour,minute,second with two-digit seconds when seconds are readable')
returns 3,54
